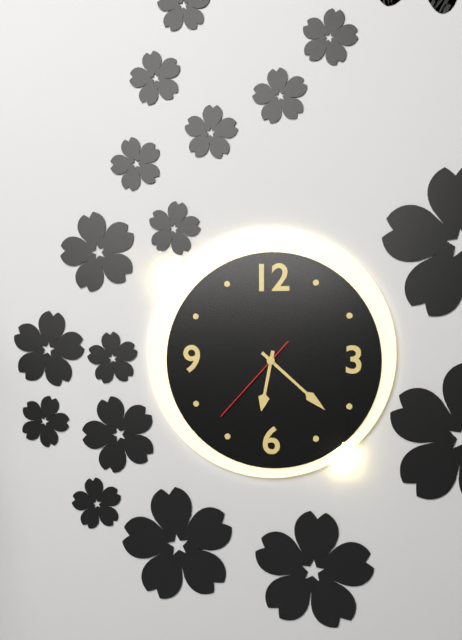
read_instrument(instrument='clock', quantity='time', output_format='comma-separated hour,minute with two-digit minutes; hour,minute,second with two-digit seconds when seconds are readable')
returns 6,22,37
